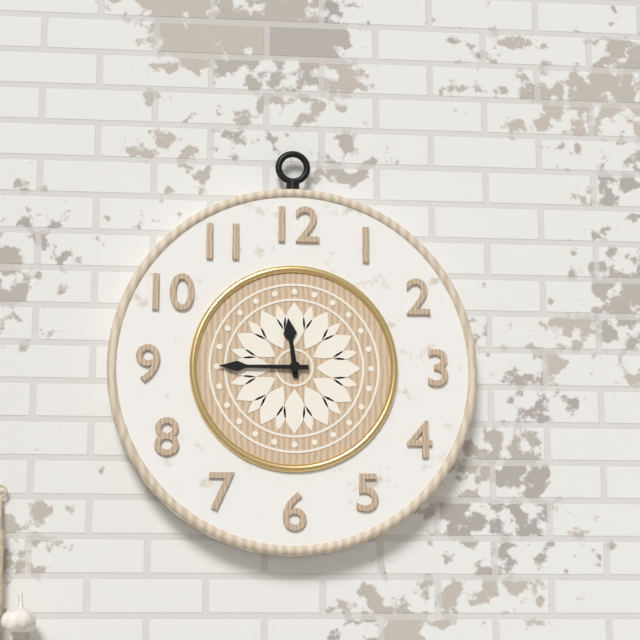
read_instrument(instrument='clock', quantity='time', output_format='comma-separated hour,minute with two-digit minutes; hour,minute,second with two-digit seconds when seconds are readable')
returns 11,45
